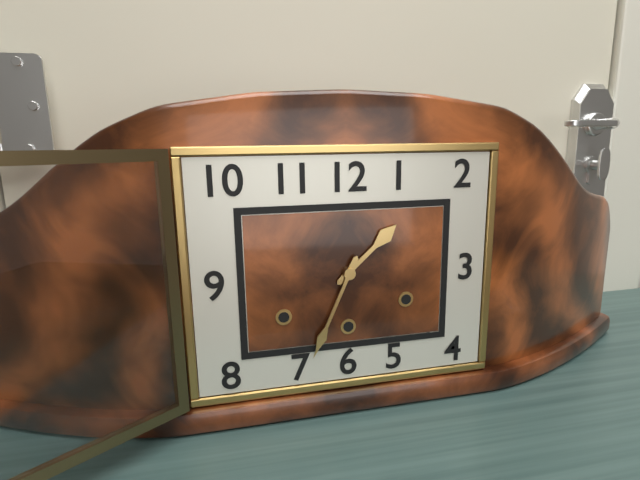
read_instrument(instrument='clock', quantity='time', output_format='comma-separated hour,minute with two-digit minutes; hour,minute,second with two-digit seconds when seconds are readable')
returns 1,34
